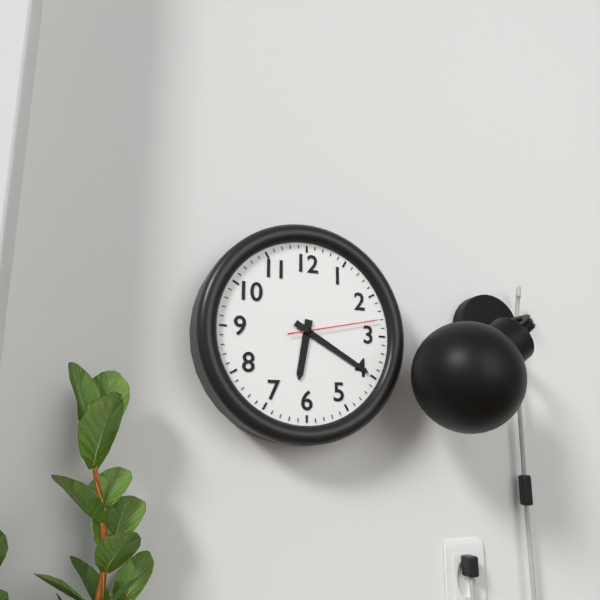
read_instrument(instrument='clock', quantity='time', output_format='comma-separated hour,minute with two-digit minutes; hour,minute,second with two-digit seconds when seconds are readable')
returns 6,20,13
